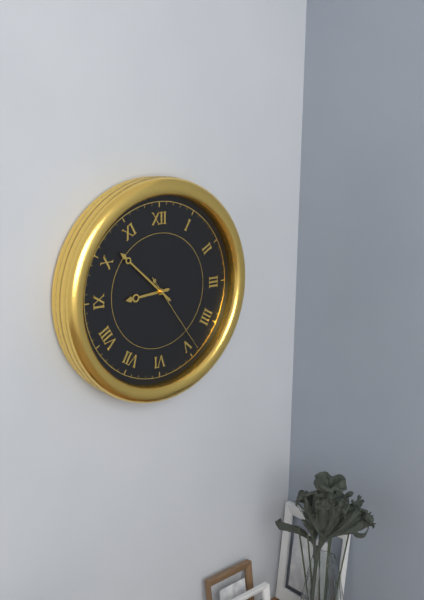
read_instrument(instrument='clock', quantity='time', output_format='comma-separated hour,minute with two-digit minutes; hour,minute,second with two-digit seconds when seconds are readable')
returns 8,52,24
